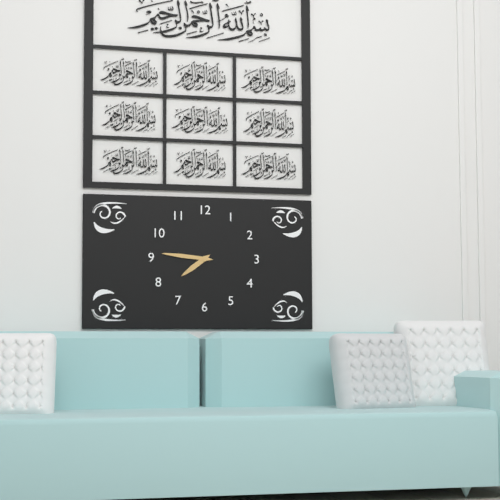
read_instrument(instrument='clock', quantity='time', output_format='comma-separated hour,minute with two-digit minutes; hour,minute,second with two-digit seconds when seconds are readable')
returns 7,46
